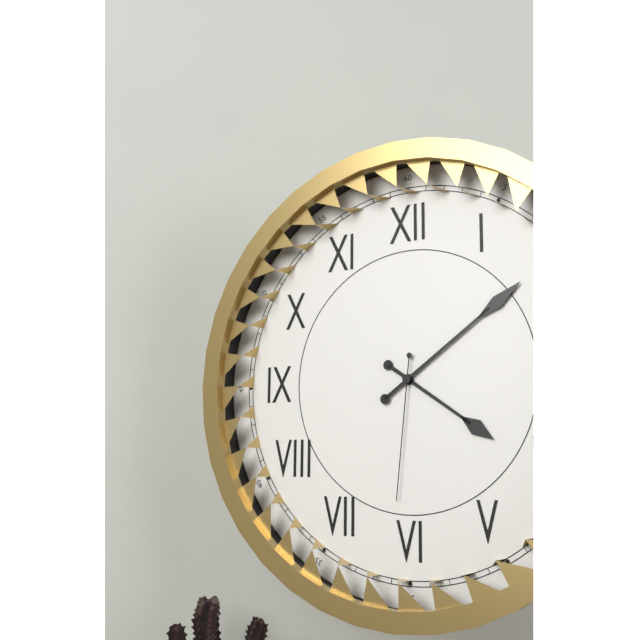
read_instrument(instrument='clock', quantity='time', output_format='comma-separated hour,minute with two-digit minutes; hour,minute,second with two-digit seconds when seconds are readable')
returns 4,09,31
